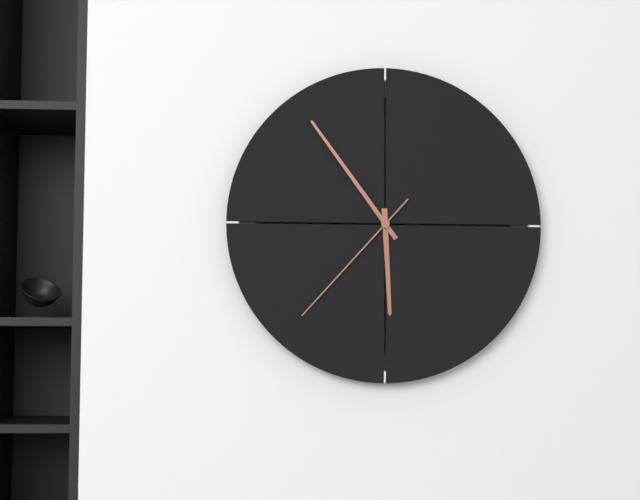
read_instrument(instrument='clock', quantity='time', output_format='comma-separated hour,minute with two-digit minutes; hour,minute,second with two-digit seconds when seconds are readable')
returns 5,54,37
